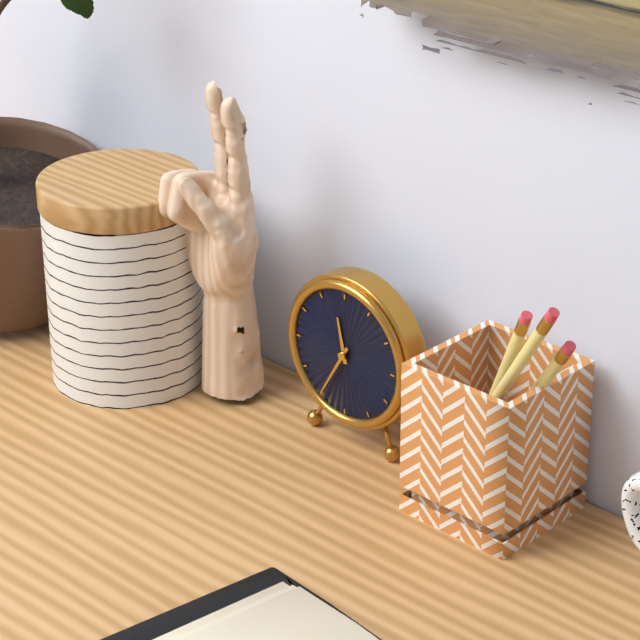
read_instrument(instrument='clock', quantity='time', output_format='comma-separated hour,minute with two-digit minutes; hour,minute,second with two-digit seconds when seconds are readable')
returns 11,35
